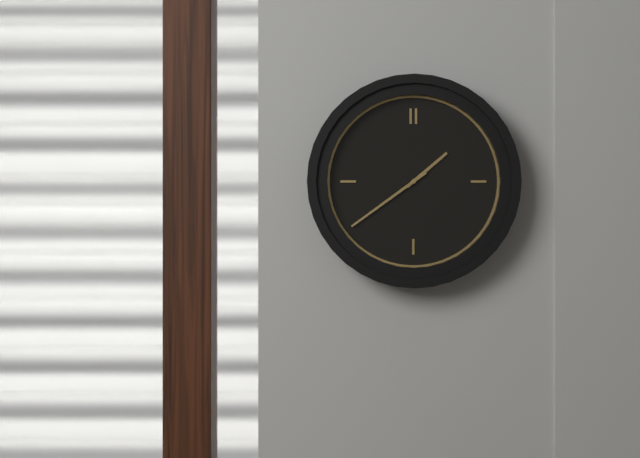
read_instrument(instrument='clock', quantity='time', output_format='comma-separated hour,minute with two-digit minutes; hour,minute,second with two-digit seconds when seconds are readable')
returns 1,39
